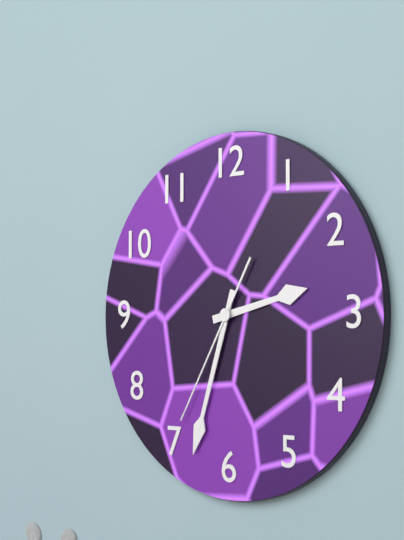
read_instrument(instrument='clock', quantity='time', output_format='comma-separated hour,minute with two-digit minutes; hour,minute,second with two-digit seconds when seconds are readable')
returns 2,33,35
